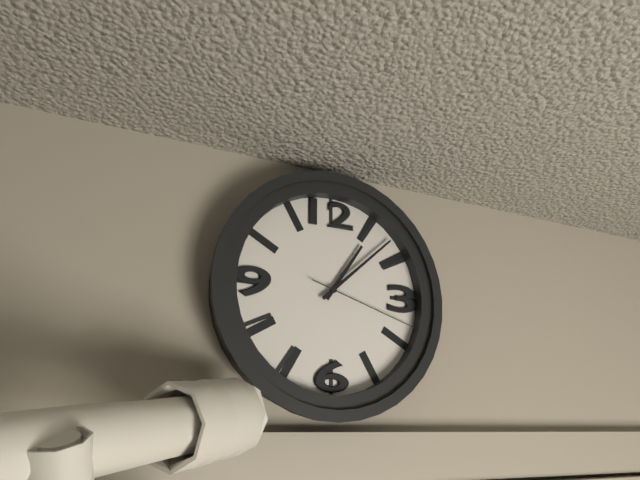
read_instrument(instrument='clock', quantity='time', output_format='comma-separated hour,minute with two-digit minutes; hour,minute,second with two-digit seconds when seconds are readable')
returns 1,08,18
